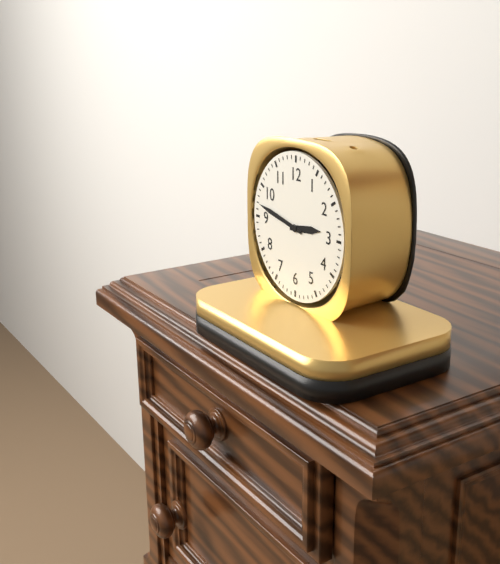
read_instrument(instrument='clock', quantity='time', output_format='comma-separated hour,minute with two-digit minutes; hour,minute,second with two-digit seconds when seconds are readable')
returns 2,47
